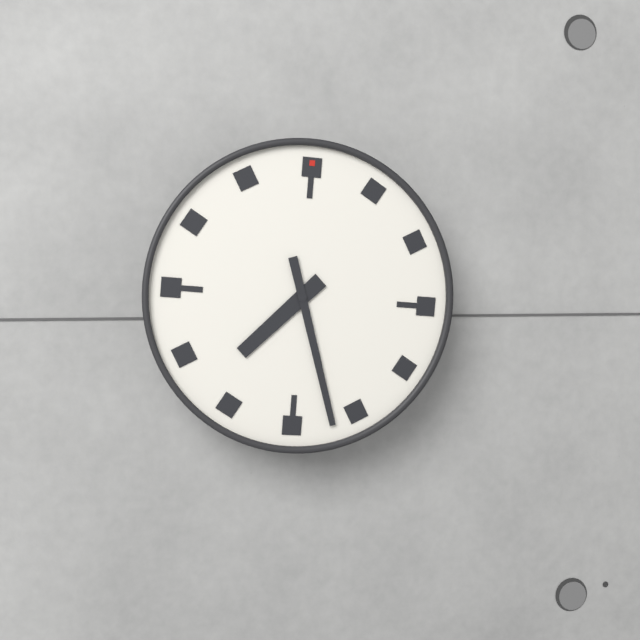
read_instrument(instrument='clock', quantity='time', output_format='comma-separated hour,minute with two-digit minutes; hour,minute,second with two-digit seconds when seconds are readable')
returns 7,27
